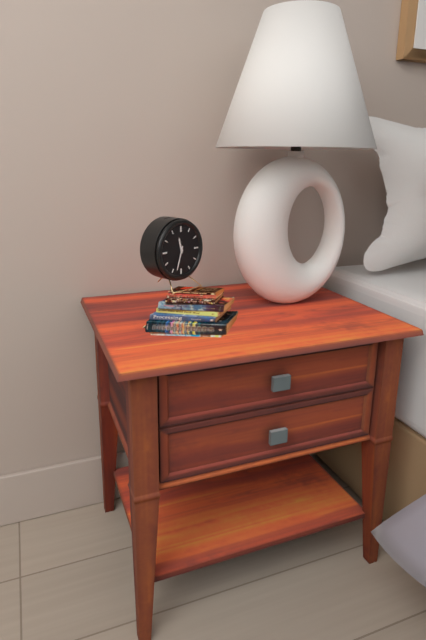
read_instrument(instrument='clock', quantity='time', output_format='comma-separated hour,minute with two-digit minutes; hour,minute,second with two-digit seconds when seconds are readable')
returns 11,33
